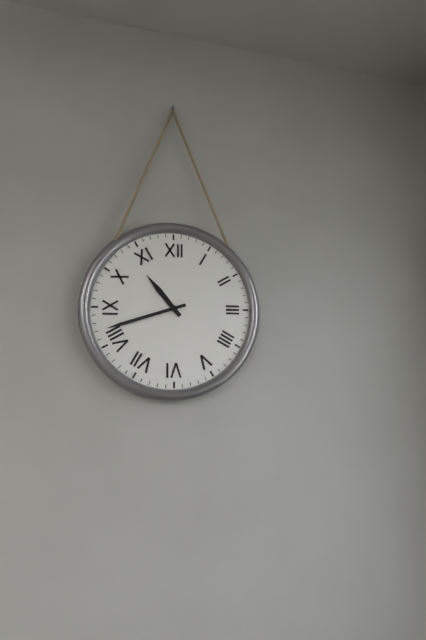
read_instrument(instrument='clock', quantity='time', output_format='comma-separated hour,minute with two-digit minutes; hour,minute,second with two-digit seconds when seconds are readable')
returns 10,42
